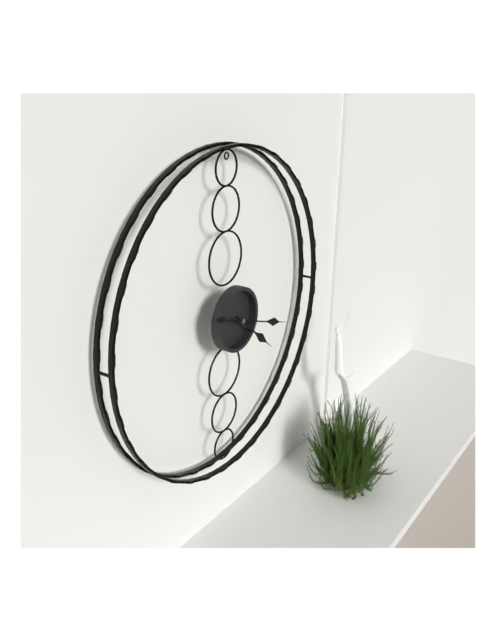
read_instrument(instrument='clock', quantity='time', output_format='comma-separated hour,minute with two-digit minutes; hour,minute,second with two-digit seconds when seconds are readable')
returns 4,18
